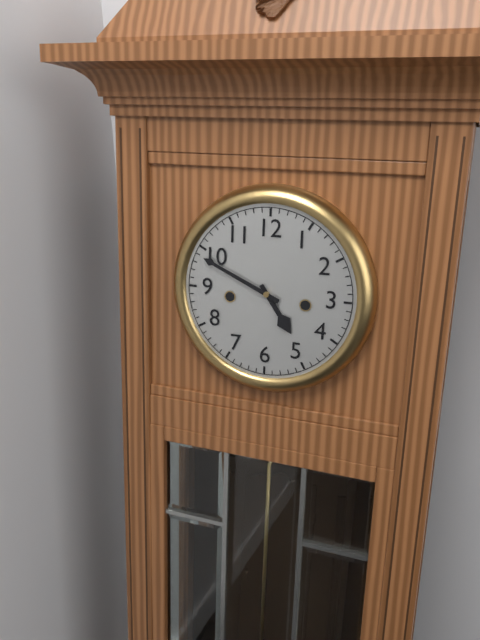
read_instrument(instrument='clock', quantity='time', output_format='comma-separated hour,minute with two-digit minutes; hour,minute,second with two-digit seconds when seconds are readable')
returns 4,49
